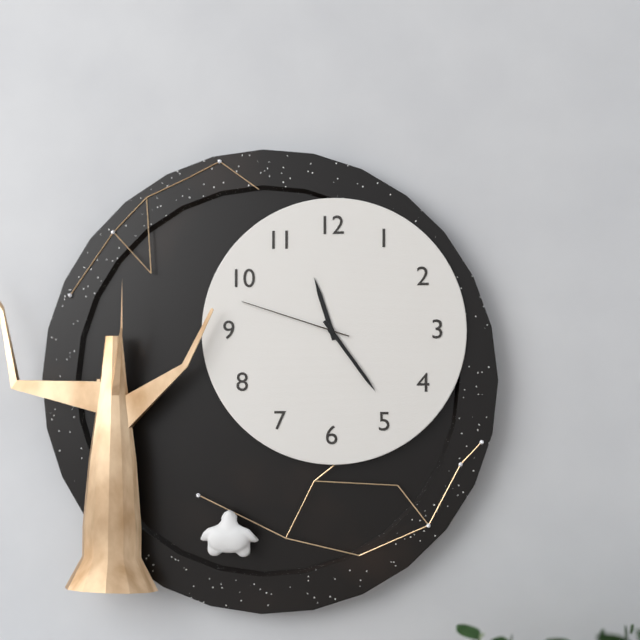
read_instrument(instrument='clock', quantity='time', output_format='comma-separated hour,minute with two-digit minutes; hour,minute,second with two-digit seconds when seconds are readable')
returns 11,24,48
